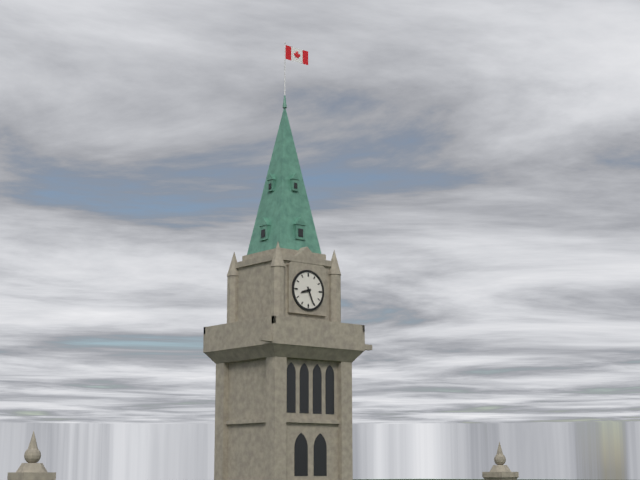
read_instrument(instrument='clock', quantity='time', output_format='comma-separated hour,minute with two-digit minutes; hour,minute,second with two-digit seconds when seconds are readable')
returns 8,26
